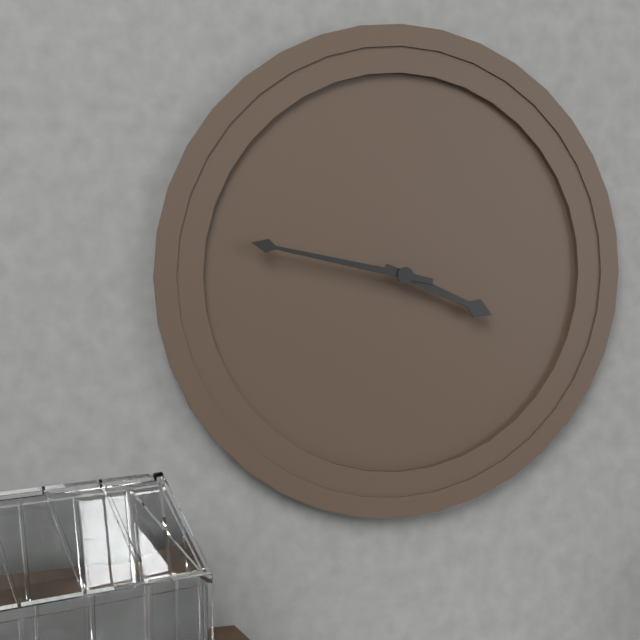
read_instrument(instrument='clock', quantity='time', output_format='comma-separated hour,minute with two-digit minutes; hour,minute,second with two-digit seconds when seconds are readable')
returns 3,47
